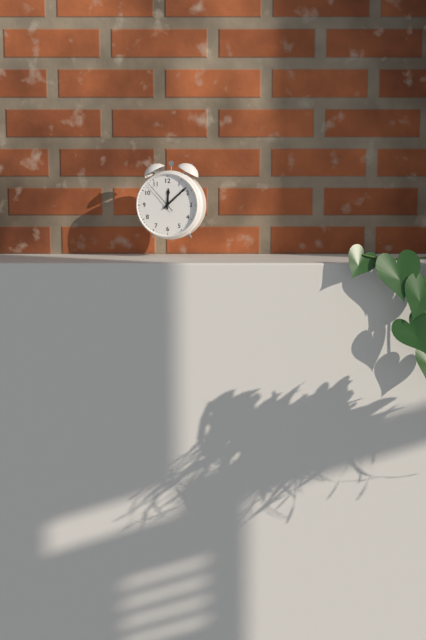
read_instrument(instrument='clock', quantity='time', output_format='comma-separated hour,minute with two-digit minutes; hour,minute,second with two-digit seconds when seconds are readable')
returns 12,08
